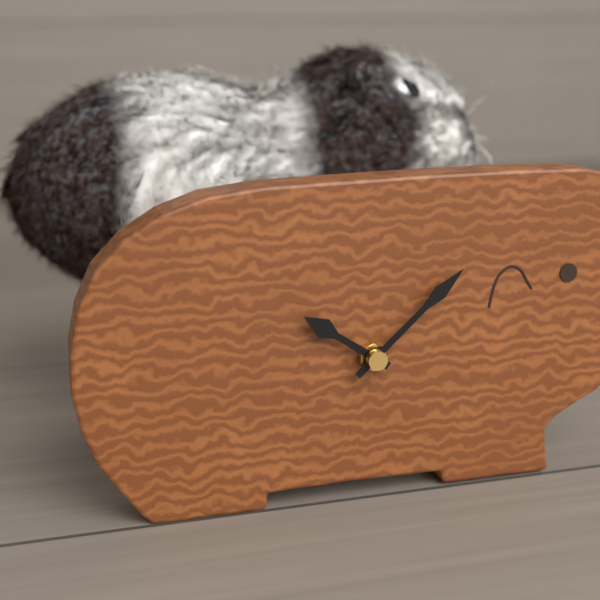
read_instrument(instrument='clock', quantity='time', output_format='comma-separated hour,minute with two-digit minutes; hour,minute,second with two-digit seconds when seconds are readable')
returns 10,08
